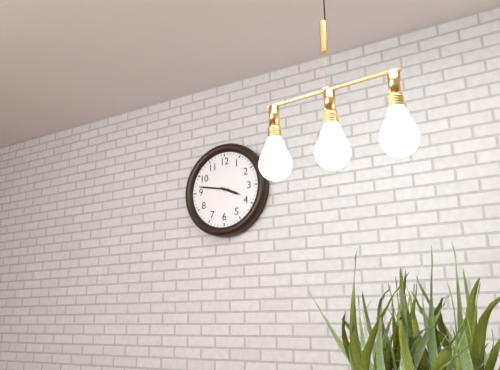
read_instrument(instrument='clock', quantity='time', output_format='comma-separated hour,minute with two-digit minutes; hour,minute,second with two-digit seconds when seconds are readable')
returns 3,47
